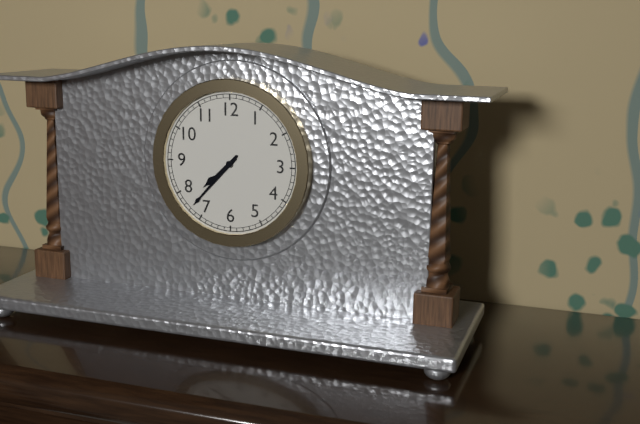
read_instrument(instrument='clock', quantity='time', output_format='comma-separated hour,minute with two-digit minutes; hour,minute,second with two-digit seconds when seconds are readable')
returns 7,37
